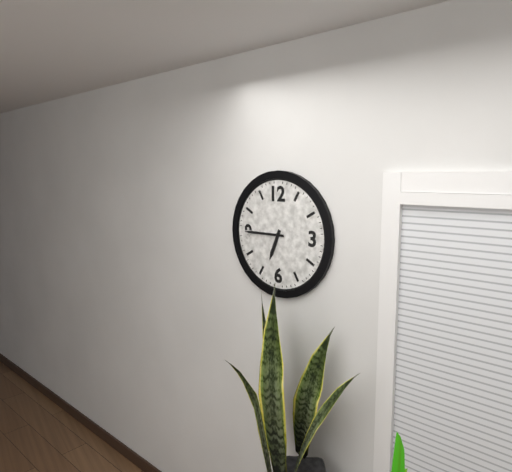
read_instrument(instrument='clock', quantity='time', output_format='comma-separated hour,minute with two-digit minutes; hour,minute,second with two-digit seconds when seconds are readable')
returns 6,45
